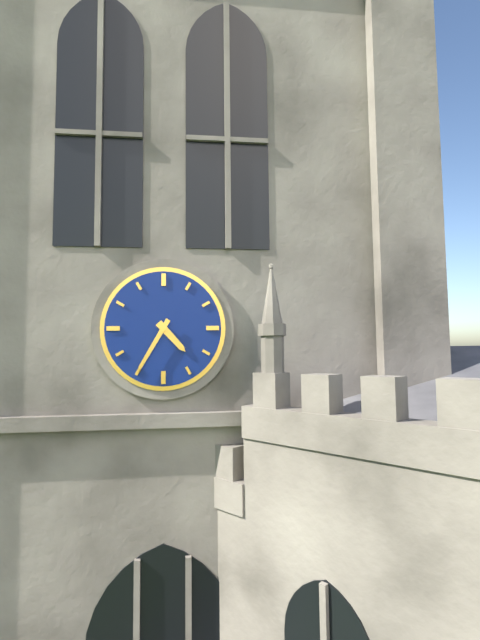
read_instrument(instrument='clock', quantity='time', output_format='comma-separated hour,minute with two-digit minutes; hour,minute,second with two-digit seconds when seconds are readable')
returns 4,35
